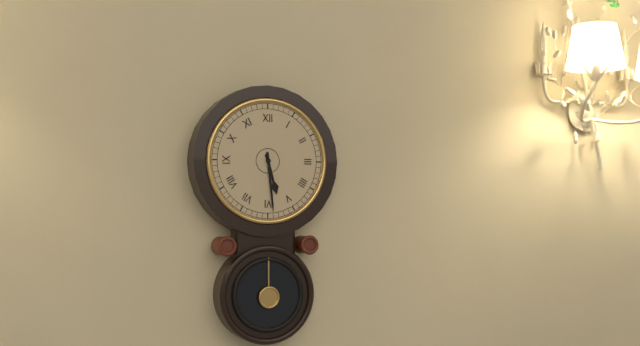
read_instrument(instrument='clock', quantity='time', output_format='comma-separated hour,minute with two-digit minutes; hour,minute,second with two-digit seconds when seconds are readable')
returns 5,29
